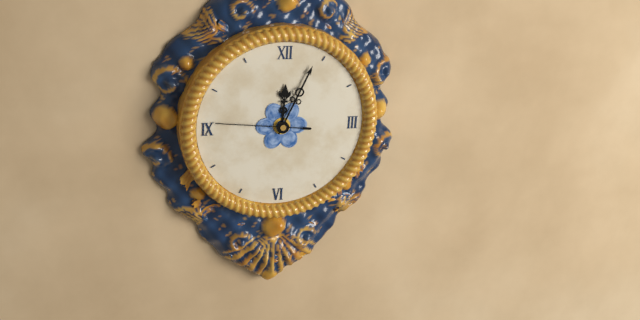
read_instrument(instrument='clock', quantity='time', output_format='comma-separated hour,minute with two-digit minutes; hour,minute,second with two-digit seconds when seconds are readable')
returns 12,04,46
